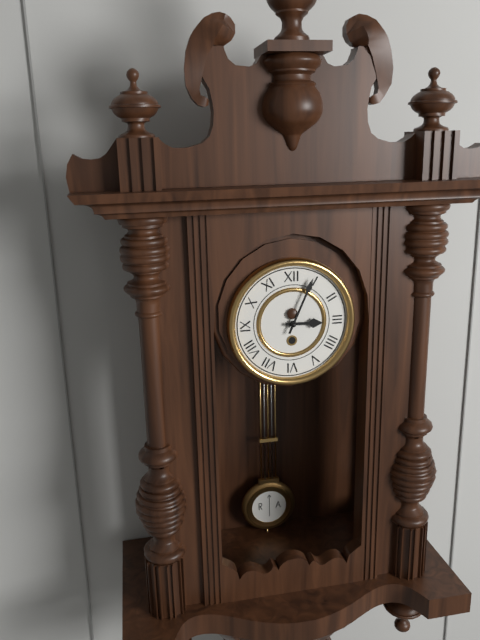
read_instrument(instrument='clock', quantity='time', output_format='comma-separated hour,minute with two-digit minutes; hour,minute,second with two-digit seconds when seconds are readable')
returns 3,04
